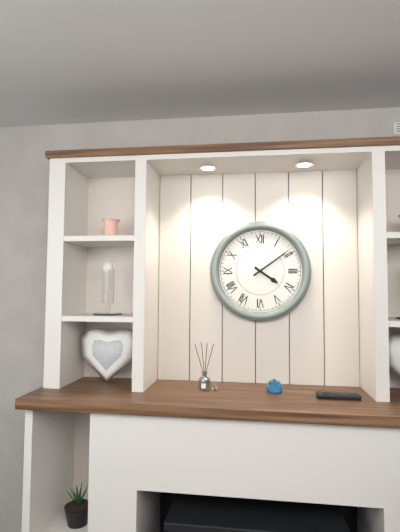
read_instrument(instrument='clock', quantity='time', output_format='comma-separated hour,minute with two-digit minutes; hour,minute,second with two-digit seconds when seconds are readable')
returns 4,09
